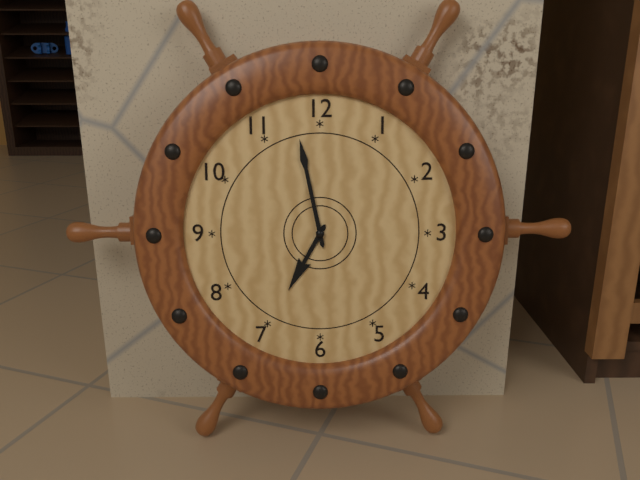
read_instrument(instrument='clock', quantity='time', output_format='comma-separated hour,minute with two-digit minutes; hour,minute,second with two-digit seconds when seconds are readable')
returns 6,58
